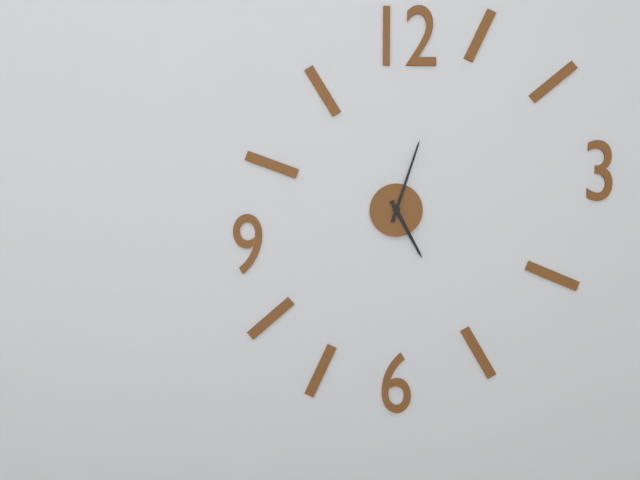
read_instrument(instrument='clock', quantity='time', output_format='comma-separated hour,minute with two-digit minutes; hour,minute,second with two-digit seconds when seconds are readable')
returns 5,03
